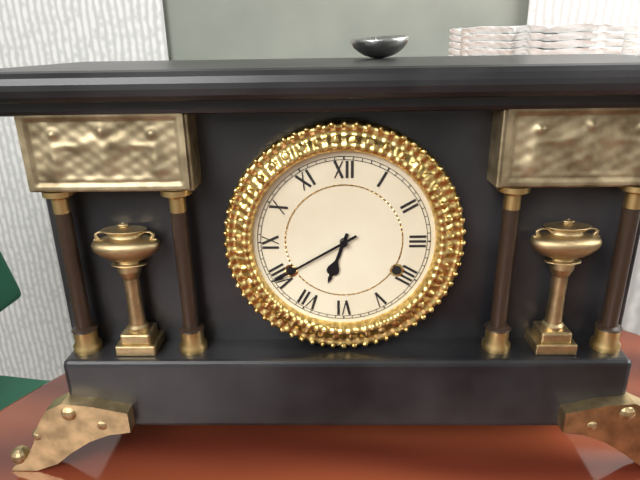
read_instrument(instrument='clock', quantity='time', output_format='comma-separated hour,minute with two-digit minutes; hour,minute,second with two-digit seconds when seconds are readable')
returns 6,40
